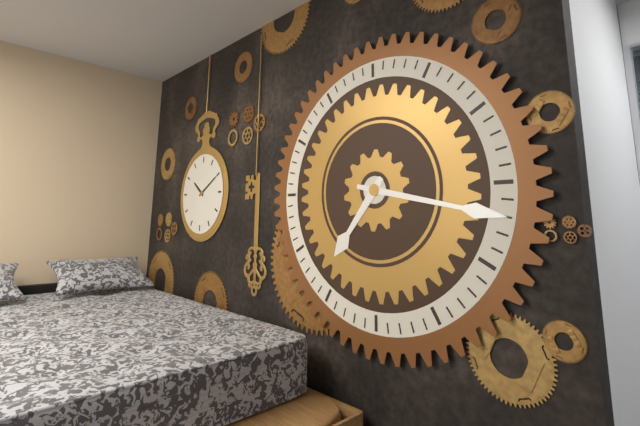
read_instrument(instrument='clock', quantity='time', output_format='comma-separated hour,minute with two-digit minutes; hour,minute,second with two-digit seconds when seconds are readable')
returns 7,17
